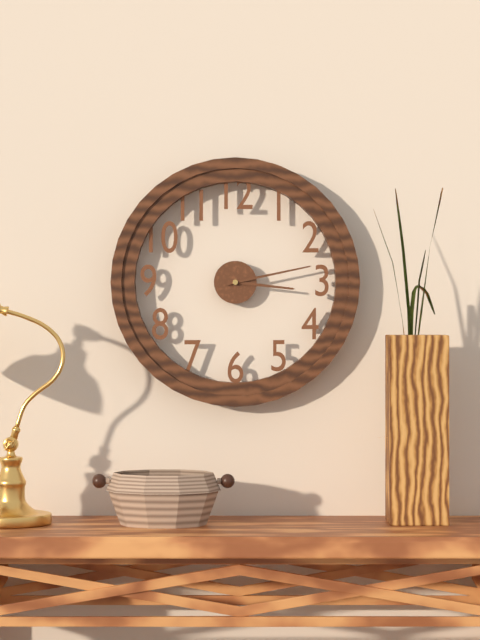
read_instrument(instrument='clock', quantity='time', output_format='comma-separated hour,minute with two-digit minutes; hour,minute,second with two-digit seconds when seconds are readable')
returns 3,13
